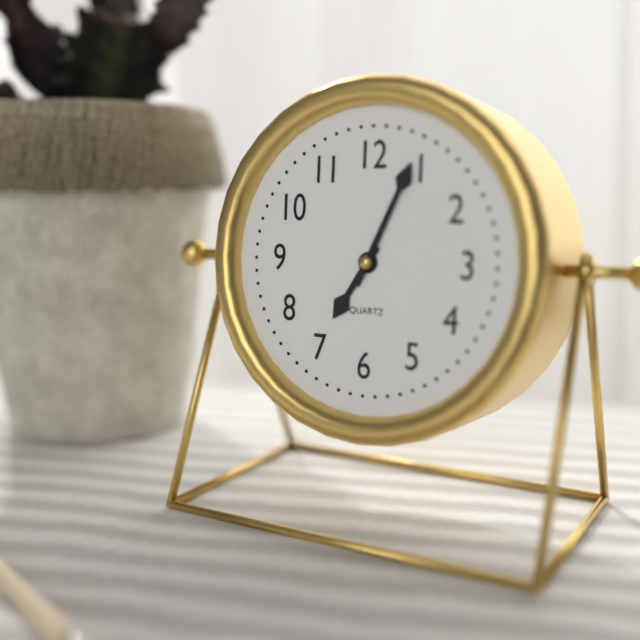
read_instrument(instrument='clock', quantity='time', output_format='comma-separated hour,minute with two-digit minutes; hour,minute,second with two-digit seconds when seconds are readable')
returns 7,04
